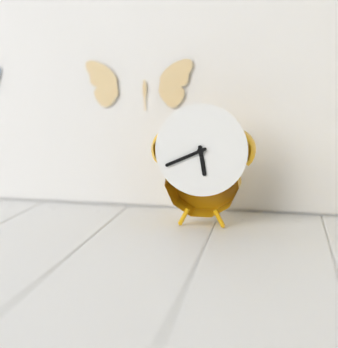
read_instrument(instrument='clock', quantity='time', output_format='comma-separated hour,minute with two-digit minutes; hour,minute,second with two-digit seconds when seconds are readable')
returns 5,41
